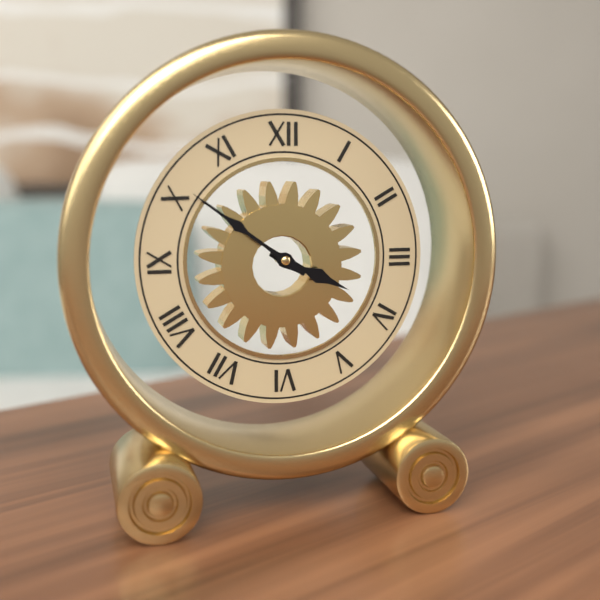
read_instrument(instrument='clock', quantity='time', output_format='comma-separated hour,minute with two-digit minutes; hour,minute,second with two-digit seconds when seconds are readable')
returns 3,51
